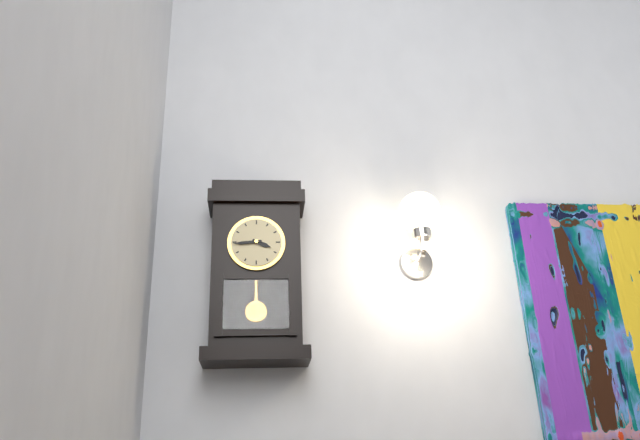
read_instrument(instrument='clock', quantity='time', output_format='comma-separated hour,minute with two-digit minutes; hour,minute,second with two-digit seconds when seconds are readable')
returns 3,44
